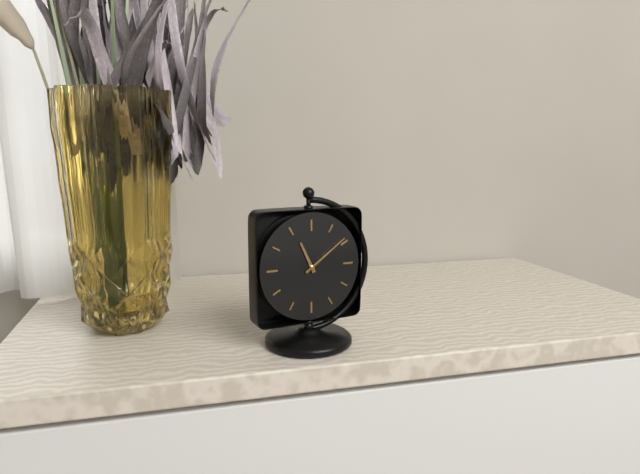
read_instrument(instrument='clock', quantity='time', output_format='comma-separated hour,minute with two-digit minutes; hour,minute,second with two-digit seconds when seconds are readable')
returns 11,09
